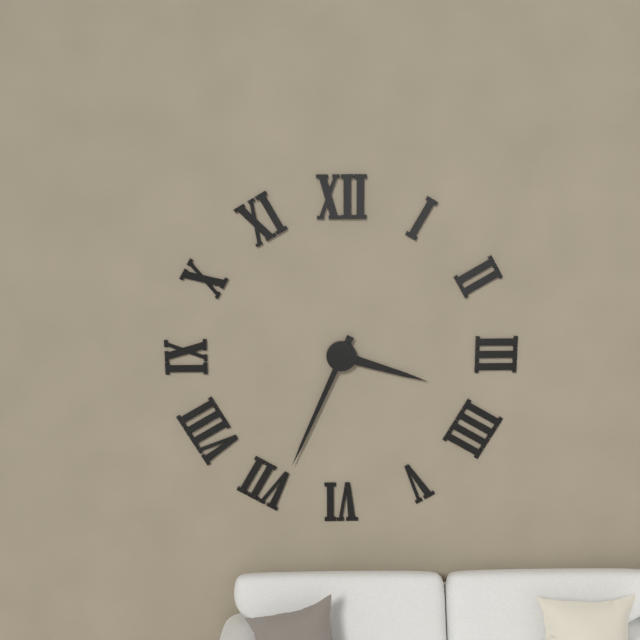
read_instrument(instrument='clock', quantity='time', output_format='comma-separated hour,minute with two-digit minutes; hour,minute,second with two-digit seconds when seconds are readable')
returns 3,34
